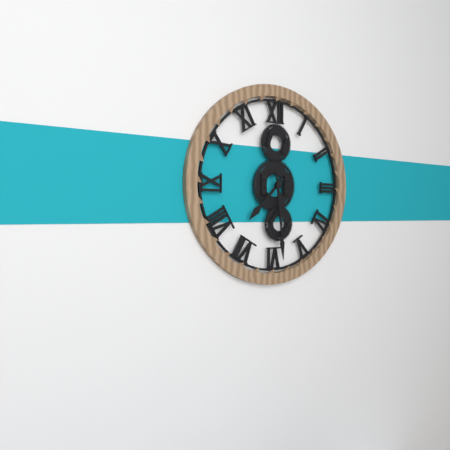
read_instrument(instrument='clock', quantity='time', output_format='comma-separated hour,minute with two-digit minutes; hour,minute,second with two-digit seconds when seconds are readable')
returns 7,29
